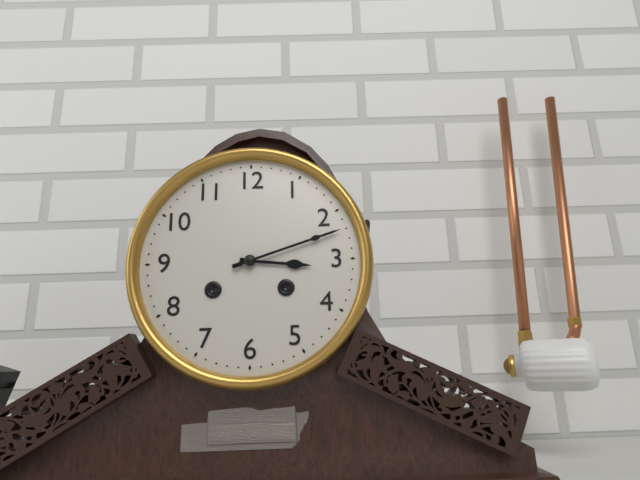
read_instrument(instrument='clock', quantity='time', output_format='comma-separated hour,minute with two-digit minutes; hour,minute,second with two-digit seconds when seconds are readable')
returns 3,12
